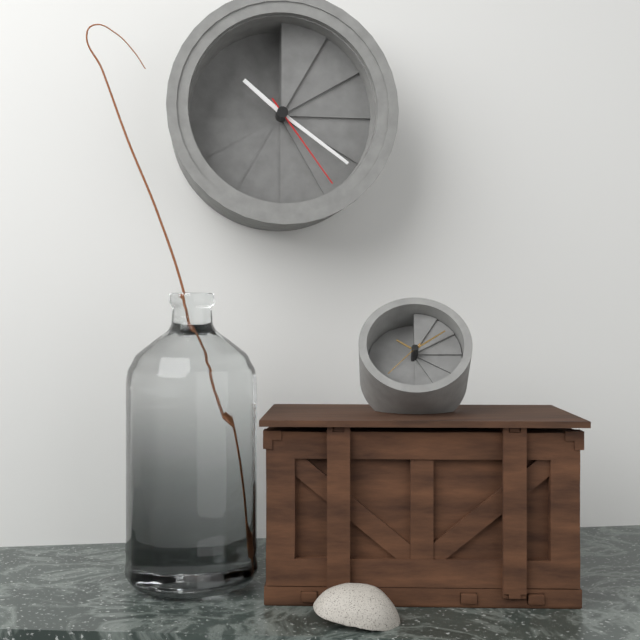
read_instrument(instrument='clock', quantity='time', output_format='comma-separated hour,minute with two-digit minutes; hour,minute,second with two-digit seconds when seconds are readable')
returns 10,21,24
